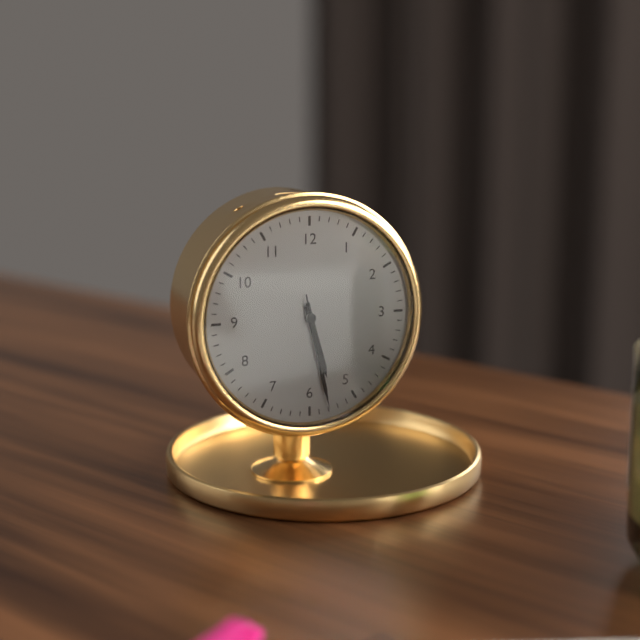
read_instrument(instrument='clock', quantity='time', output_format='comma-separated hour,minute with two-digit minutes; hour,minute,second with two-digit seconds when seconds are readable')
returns 5,28,28
